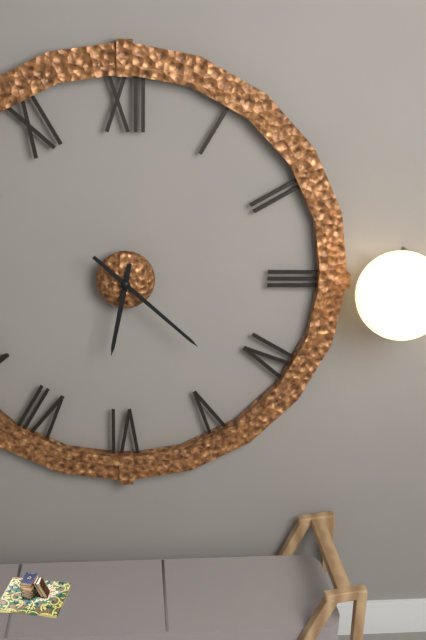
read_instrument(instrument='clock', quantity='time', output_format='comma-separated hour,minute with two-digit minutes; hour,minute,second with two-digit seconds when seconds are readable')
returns 6,22
